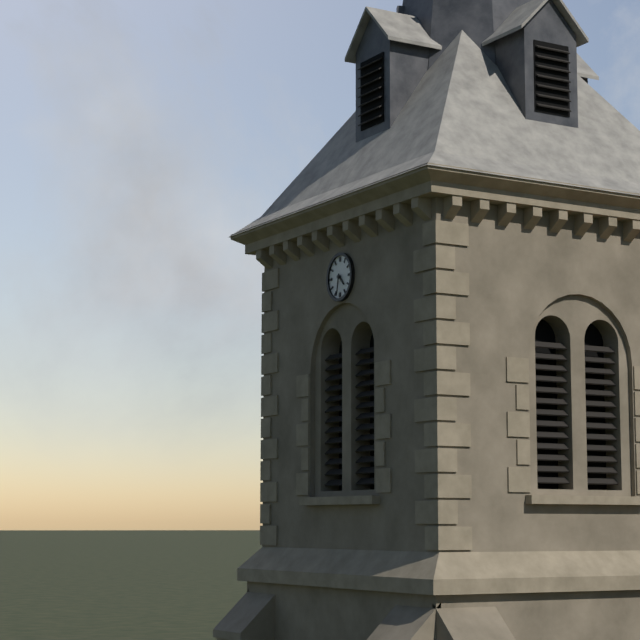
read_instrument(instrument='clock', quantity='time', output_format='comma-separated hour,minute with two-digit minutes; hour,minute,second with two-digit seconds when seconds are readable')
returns 4,32
